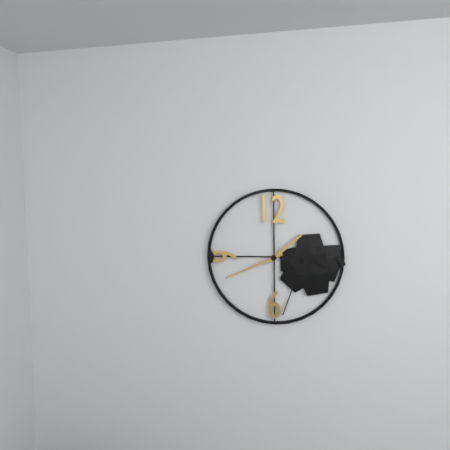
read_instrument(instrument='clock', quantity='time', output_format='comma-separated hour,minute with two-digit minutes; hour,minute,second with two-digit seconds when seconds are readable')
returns 1,41
